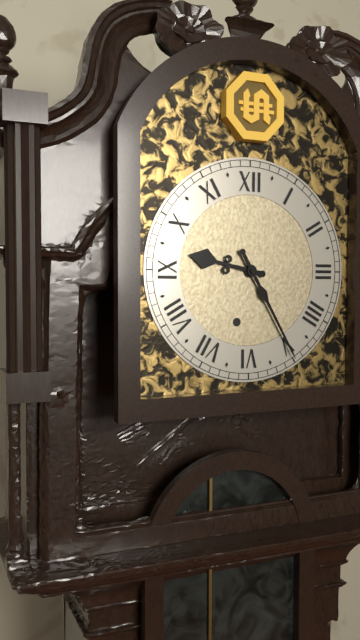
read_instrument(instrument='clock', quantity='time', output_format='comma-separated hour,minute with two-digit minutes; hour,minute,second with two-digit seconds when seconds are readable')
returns 9,25
